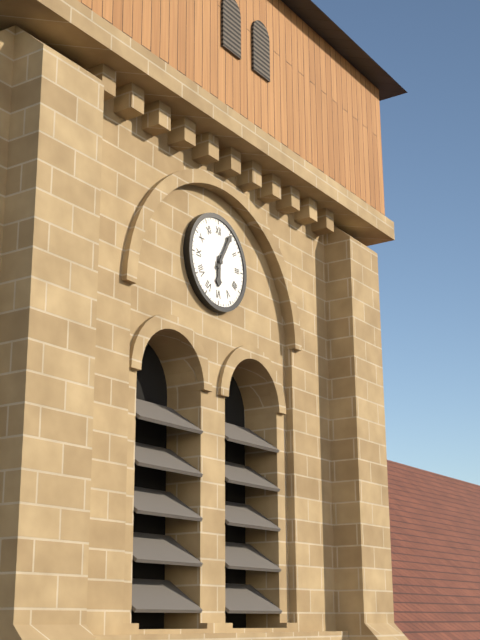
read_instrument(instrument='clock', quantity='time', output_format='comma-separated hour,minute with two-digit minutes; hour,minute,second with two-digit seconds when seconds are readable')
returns 6,05
